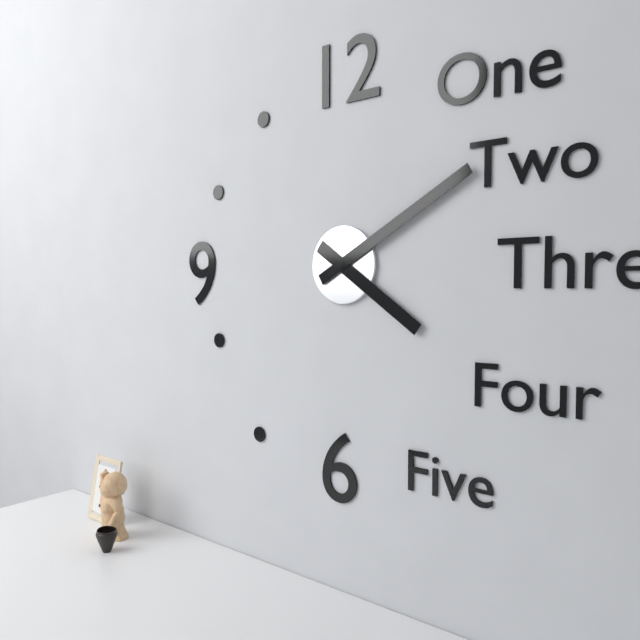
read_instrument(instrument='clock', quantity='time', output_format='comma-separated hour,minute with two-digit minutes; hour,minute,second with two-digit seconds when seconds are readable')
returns 4,10
